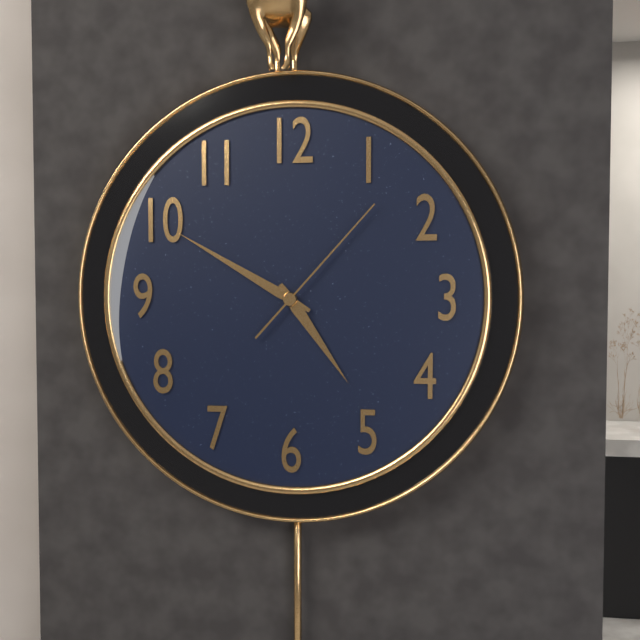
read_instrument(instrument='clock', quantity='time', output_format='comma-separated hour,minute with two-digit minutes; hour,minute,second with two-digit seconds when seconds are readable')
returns 4,50,07
